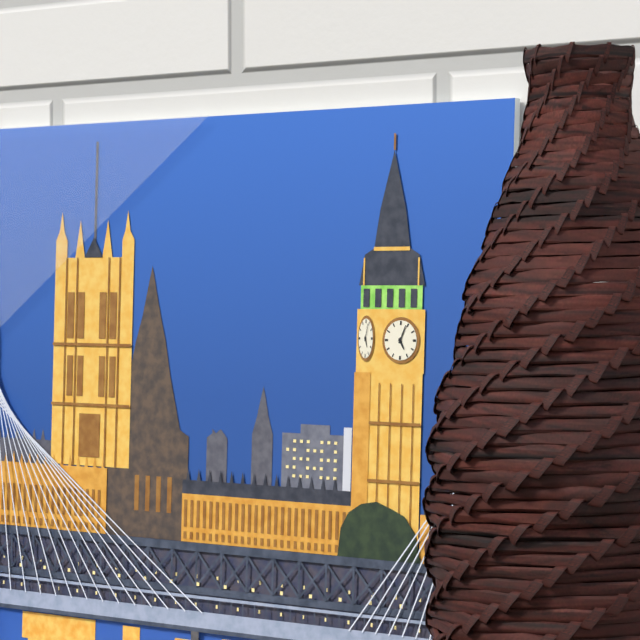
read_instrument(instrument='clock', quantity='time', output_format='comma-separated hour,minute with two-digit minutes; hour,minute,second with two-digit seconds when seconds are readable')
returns 5,04
